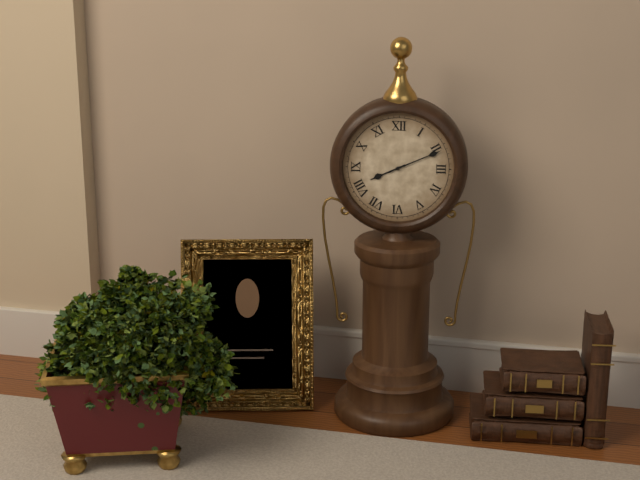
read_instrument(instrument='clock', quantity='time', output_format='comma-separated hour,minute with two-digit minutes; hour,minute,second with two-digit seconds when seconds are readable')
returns 8,11
